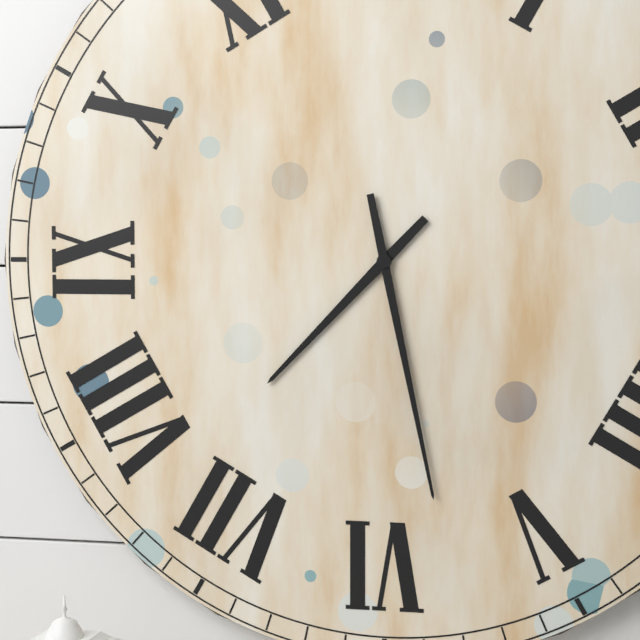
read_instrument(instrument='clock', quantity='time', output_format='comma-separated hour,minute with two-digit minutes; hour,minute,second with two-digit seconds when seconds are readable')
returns 7,28
